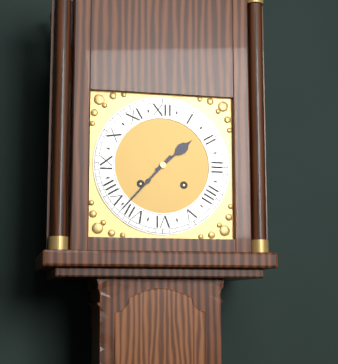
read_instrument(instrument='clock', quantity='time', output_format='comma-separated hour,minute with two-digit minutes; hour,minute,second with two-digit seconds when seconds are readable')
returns 1,37
